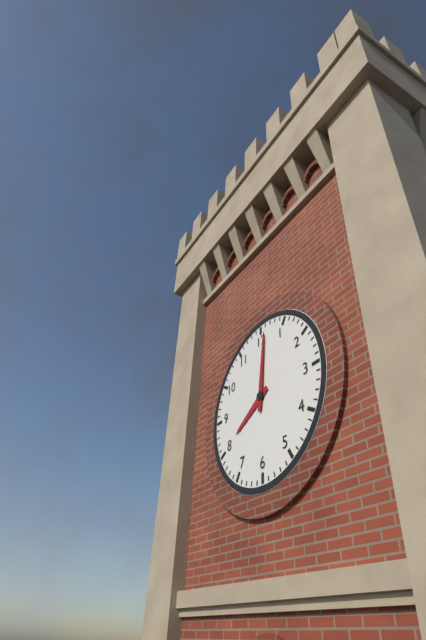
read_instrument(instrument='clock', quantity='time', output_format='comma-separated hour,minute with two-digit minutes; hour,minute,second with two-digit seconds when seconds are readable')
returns 8,01
